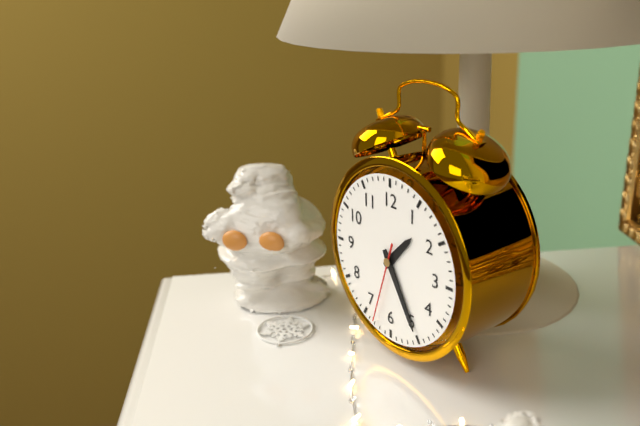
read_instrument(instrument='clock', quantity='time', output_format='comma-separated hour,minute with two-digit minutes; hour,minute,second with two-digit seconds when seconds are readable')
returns 1,25,33
